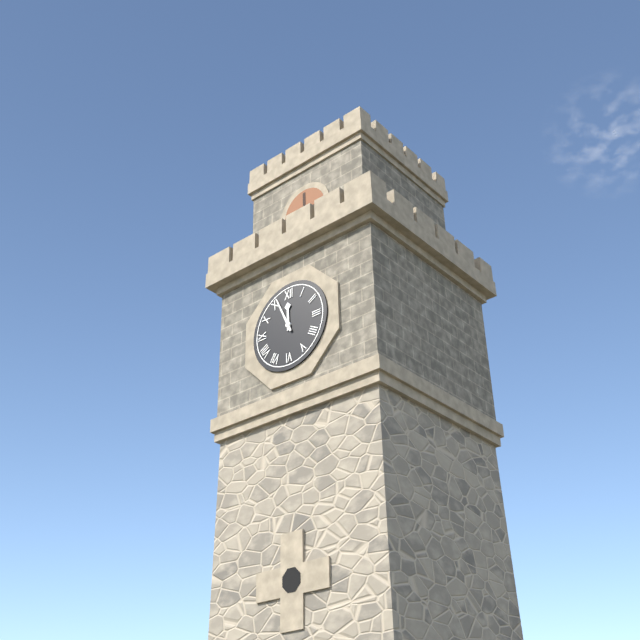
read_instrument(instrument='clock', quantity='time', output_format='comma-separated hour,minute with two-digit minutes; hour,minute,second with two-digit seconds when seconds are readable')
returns 11,56
